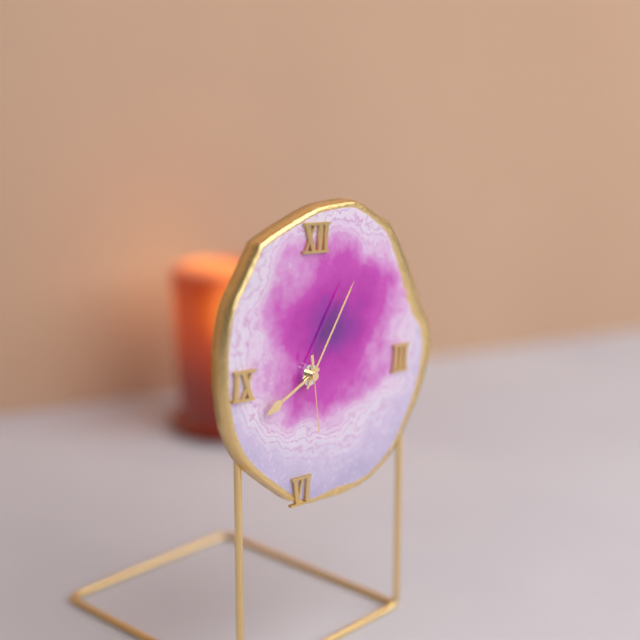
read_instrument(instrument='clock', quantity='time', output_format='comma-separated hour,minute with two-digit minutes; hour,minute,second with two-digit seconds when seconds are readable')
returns 8,05,28
